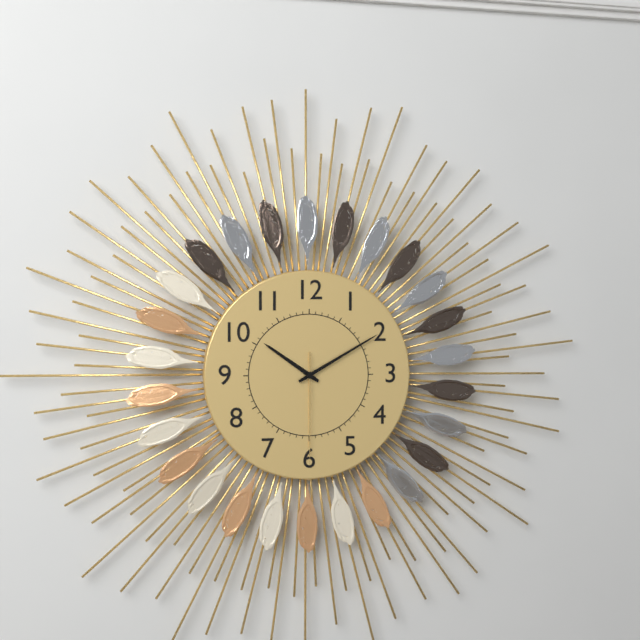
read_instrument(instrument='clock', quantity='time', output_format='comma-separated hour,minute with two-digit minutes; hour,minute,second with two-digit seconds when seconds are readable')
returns 10,10,30
